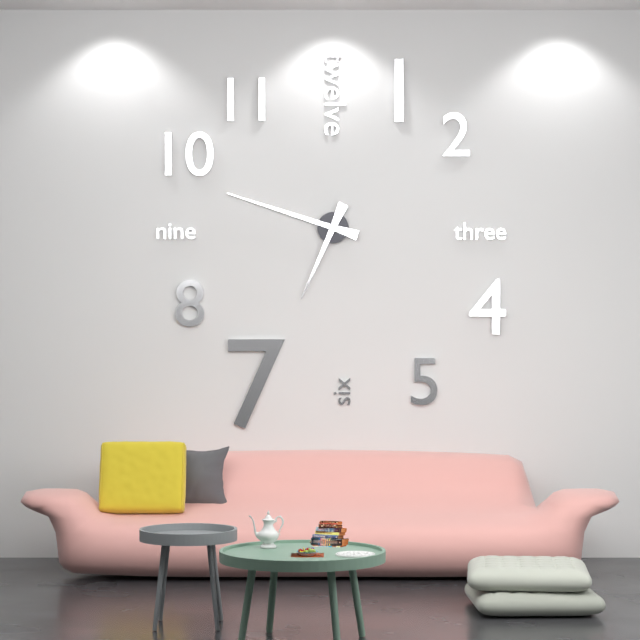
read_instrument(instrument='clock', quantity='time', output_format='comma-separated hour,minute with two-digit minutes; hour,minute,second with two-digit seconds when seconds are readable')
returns 6,48
